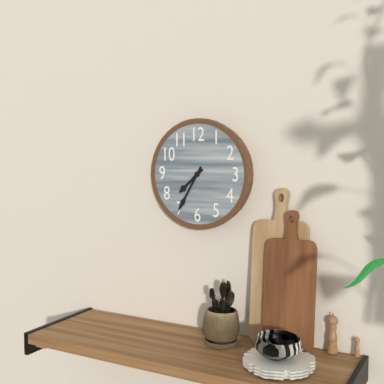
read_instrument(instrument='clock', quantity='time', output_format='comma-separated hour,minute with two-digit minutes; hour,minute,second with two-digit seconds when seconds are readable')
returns 7,35
